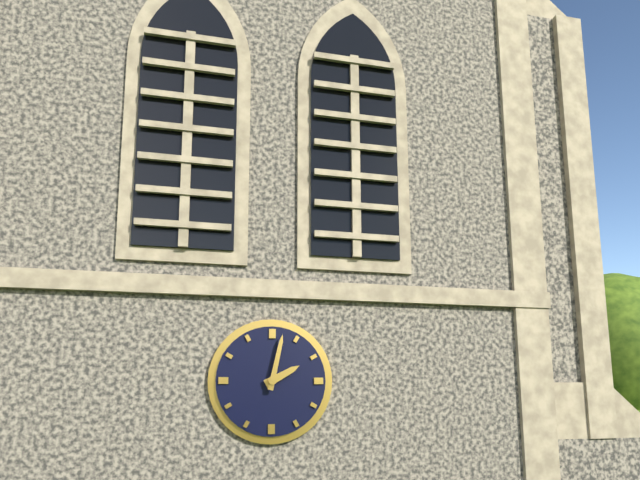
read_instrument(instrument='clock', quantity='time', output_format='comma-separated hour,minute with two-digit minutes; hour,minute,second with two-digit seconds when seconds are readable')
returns 2,02
